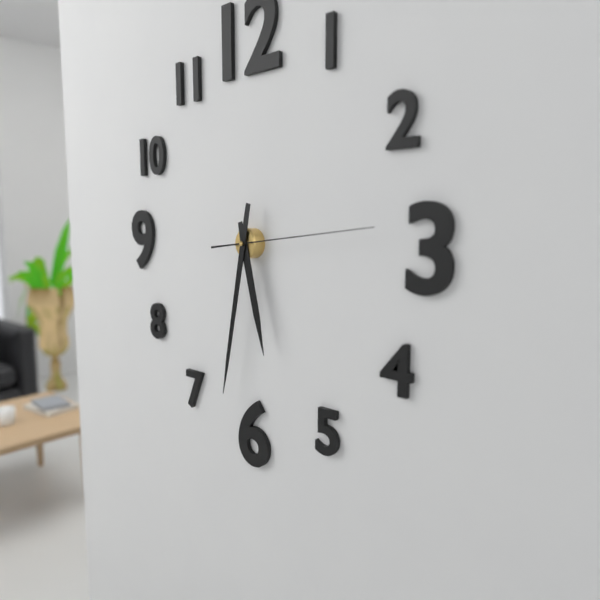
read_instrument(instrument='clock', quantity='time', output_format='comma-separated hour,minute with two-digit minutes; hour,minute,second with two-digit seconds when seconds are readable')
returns 5,32,14
